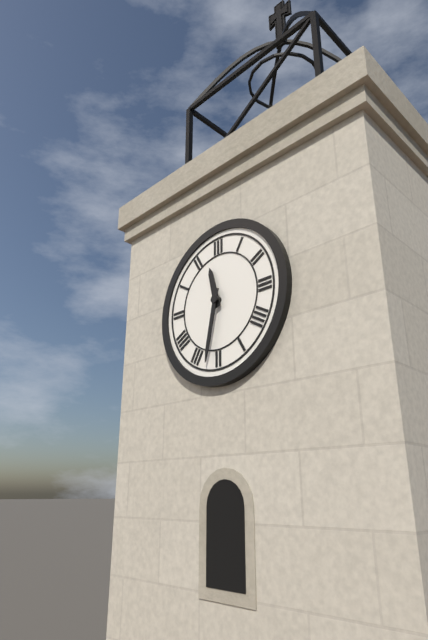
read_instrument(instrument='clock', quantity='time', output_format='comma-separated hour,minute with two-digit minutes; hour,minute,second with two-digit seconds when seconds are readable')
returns 11,32
